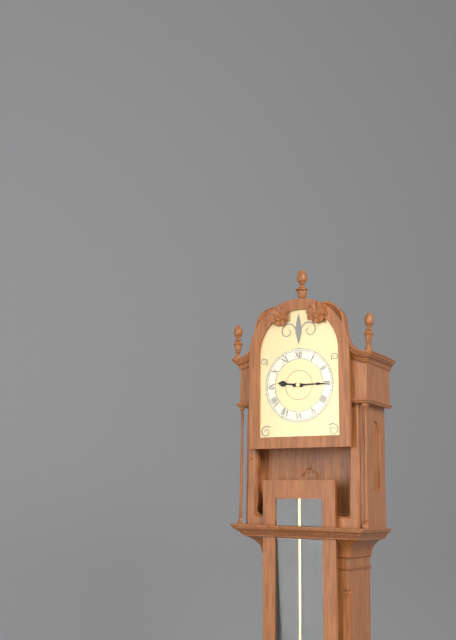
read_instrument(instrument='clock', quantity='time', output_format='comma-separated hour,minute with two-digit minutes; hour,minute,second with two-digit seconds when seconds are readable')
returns 9,15
